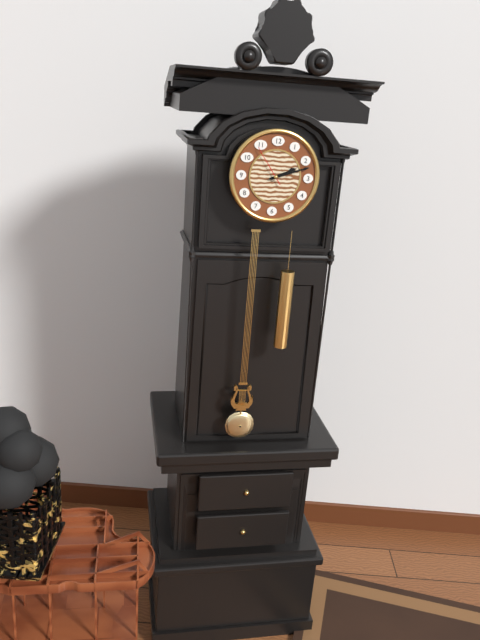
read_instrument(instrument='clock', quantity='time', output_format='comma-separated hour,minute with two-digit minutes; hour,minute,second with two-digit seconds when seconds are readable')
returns 2,12
